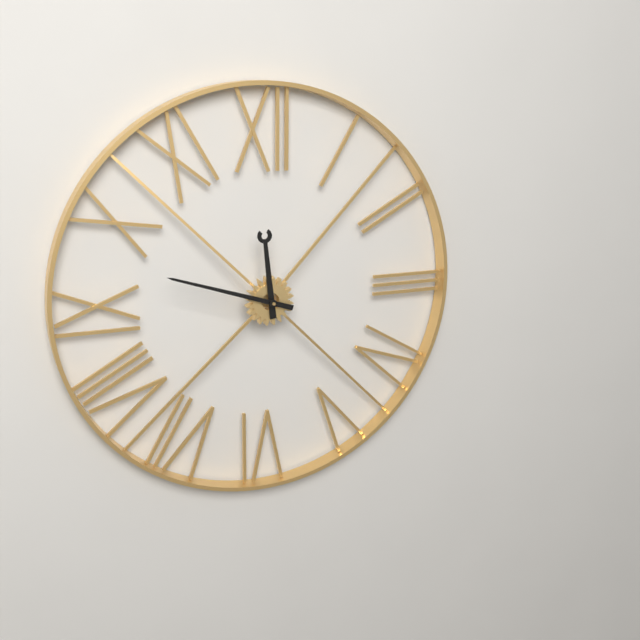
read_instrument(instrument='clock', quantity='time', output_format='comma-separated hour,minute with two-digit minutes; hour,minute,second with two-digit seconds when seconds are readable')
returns 11,48
